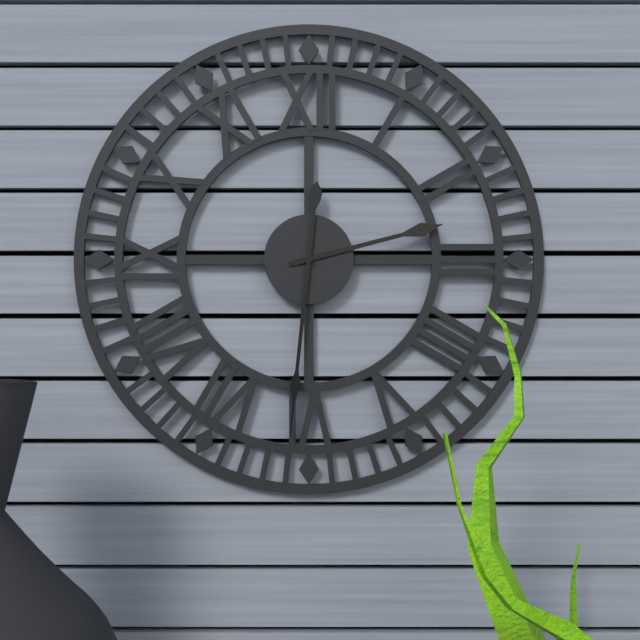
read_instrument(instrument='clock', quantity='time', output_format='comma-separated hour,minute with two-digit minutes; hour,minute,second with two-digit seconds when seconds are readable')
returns 2,31
